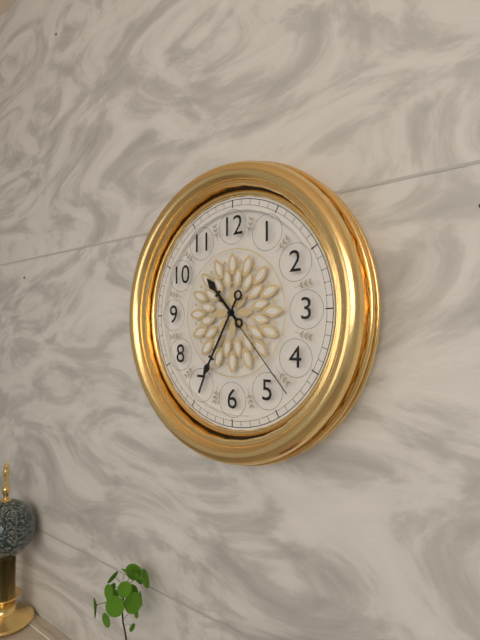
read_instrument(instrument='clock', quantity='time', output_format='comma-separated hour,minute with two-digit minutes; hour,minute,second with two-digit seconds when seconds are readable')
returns 10,35,23
